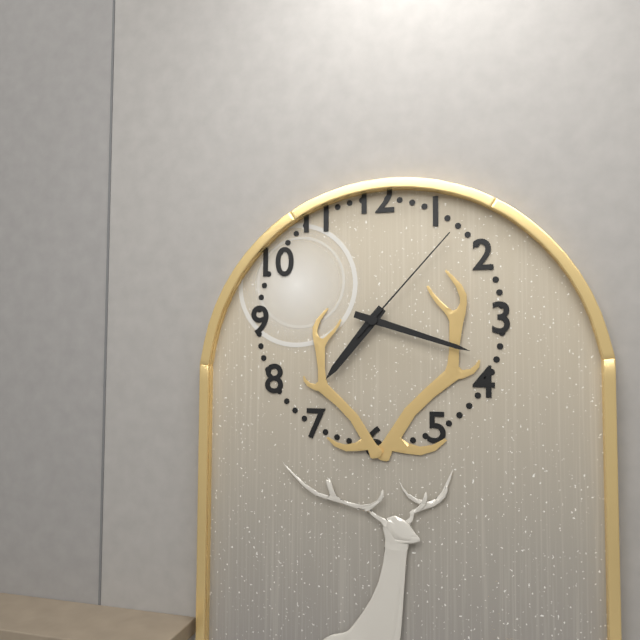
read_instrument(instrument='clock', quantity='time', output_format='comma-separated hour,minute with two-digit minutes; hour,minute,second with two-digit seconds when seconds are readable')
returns 7,18,07
